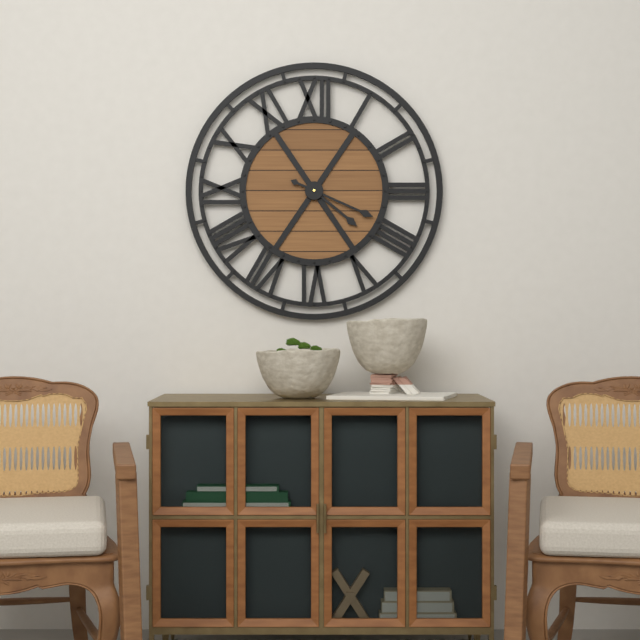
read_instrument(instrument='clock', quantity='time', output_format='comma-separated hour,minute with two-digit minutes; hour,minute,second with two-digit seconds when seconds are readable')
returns 4,19
